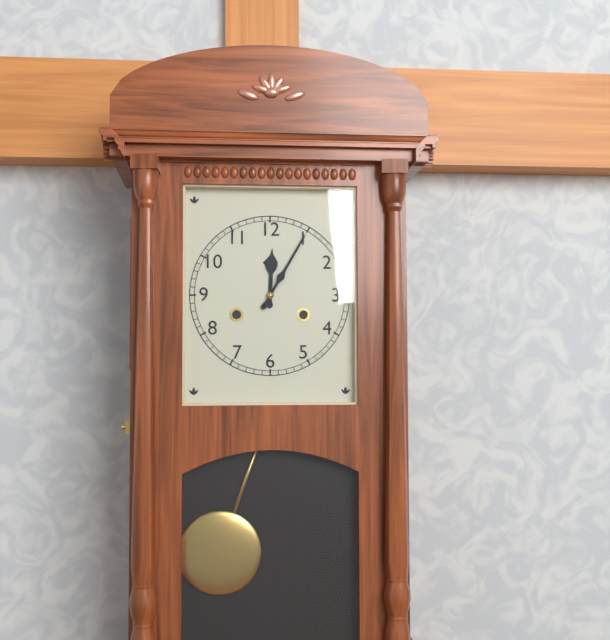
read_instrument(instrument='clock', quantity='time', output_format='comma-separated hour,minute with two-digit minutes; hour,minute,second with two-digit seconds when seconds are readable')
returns 12,05
